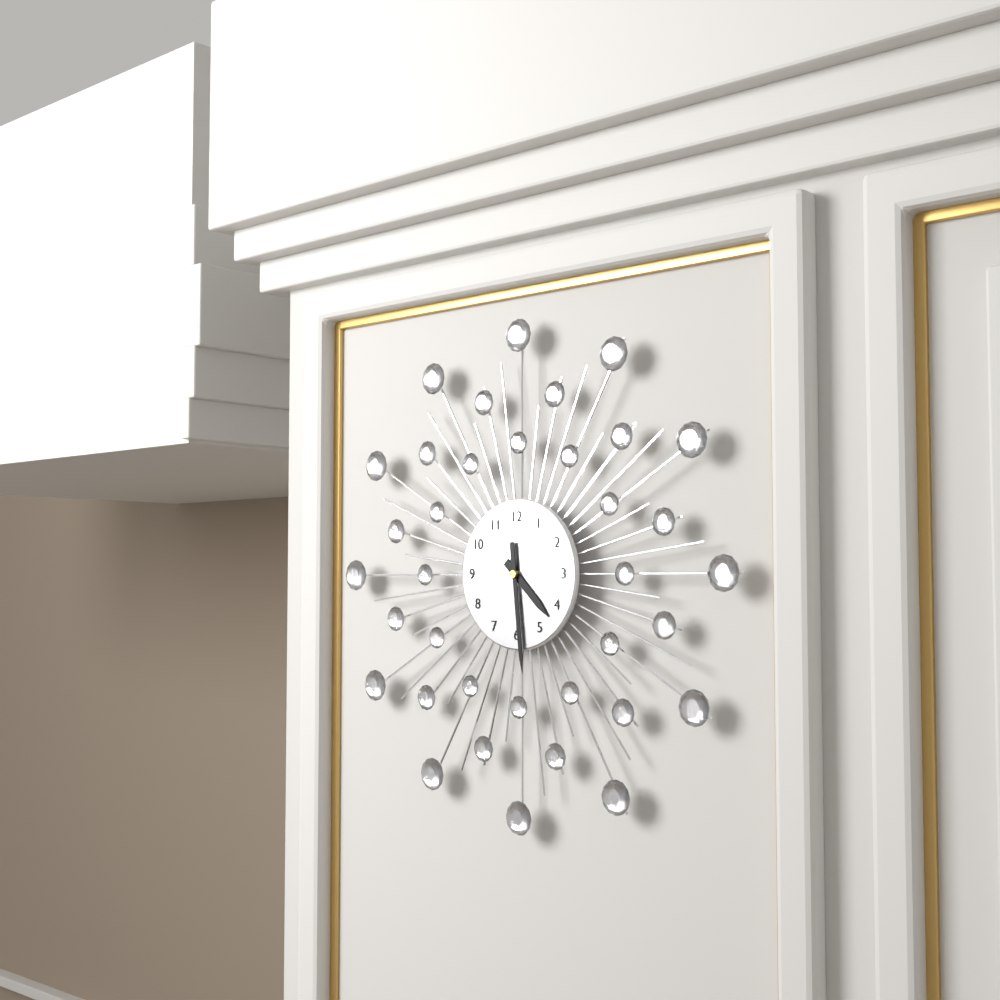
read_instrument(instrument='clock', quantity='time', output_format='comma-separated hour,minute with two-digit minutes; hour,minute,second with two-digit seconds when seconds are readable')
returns 4,29
